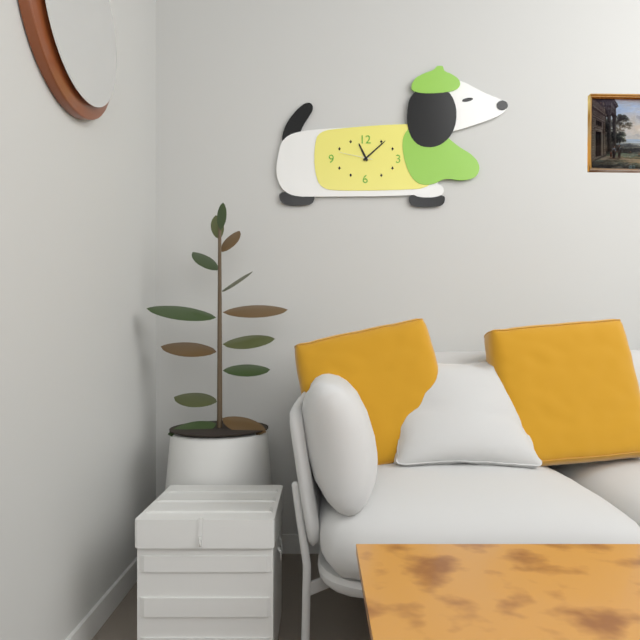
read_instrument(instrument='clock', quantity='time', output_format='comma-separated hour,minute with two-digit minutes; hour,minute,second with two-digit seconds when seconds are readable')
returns 11,08
